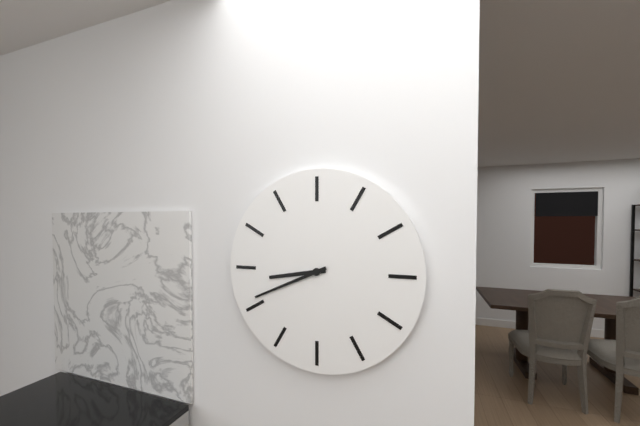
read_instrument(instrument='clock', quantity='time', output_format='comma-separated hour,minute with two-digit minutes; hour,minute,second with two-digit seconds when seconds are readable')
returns 8,41
